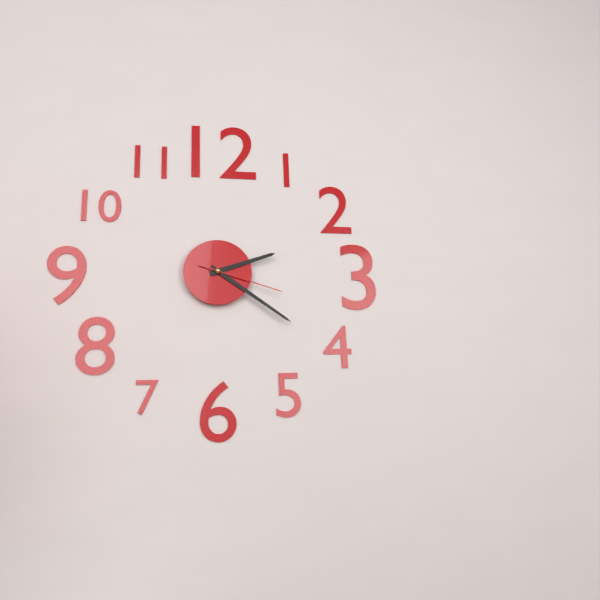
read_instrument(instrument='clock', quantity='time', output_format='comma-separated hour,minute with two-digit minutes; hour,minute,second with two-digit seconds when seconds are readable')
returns 2,21,18
